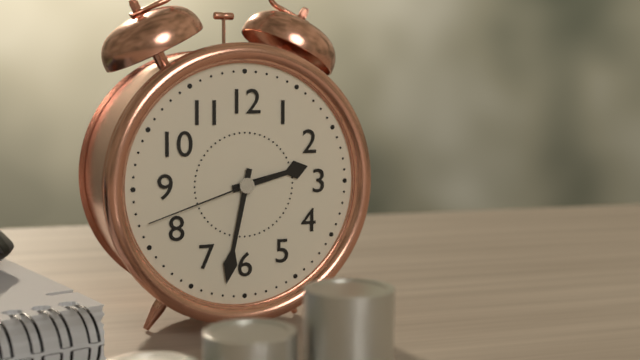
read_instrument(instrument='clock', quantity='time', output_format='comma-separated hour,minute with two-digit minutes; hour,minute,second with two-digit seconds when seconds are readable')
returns 2,32,42
